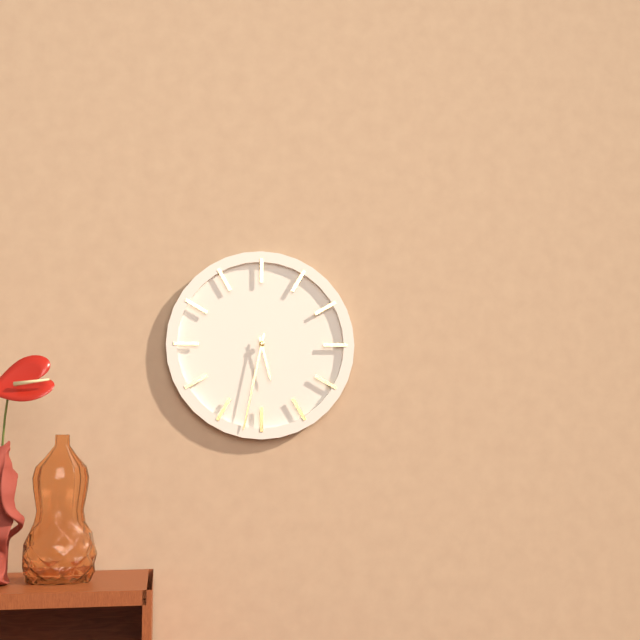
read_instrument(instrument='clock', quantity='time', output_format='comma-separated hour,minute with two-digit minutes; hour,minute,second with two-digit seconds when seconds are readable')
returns 5,32
